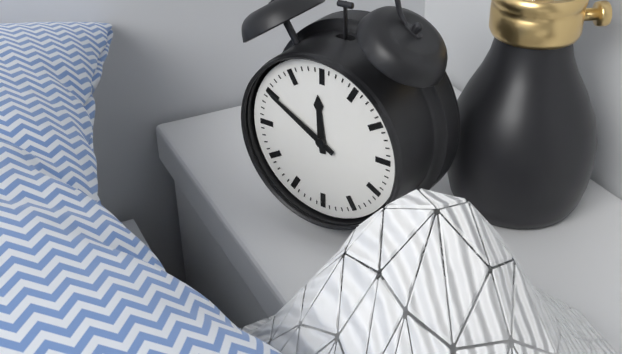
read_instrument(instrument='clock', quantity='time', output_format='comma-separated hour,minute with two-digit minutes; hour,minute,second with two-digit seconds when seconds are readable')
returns 11,50
